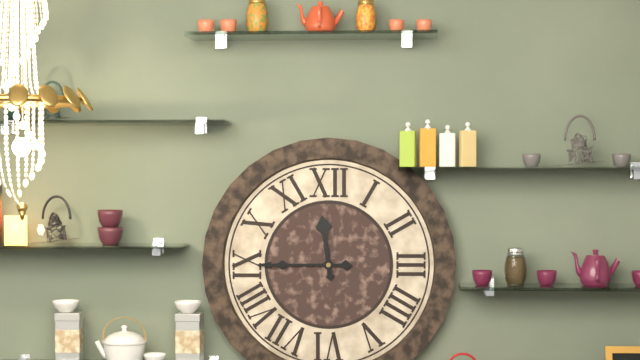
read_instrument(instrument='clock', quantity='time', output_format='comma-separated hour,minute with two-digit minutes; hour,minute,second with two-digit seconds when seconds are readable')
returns 11,45
